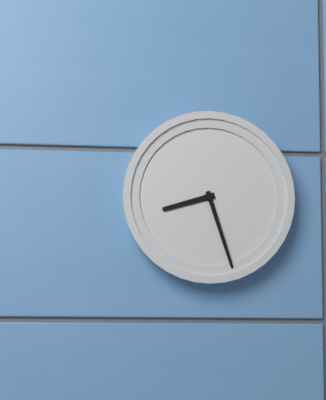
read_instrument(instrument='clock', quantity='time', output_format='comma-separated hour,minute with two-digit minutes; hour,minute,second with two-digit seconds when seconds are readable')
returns 8,27
